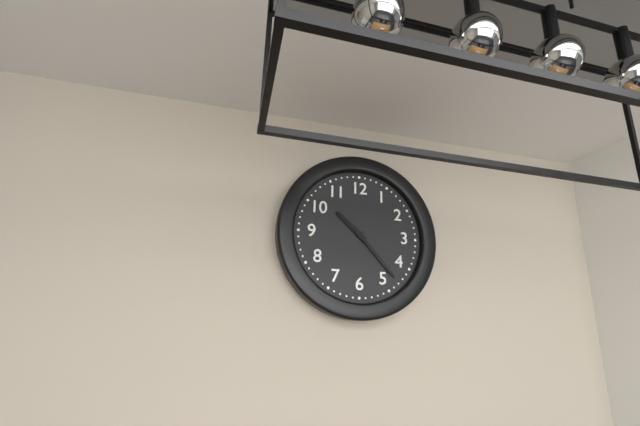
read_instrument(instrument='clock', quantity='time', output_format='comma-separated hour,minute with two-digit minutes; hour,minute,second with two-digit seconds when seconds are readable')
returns 10,23
